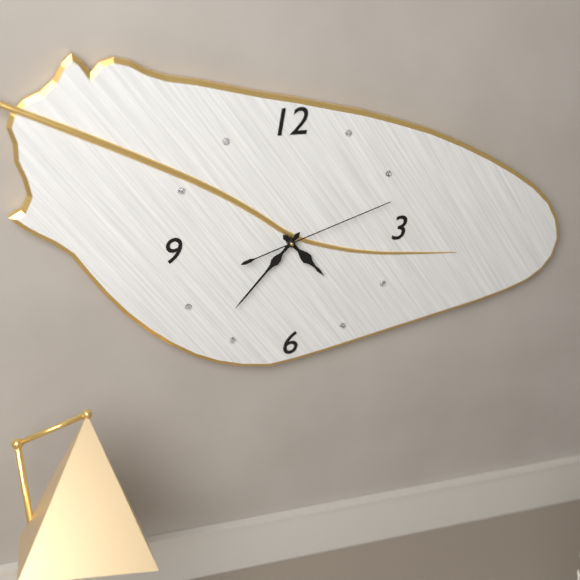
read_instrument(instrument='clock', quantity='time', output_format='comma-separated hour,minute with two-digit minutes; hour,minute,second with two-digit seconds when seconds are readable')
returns 4,37,12
